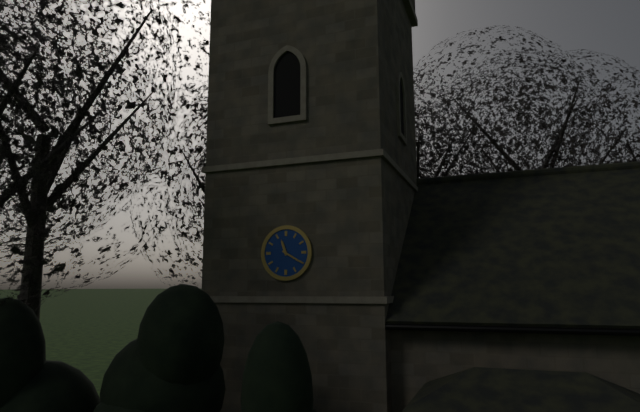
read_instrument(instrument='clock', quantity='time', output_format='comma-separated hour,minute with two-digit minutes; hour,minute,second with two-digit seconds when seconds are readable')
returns 11,20
